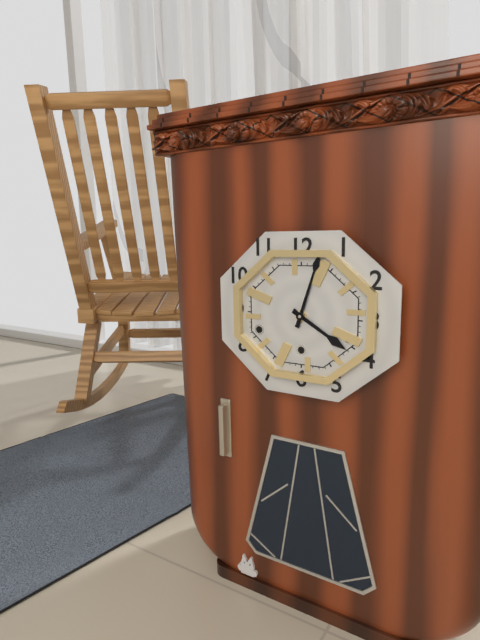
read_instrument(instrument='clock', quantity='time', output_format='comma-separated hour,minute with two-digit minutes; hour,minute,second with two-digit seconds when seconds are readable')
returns 4,03
